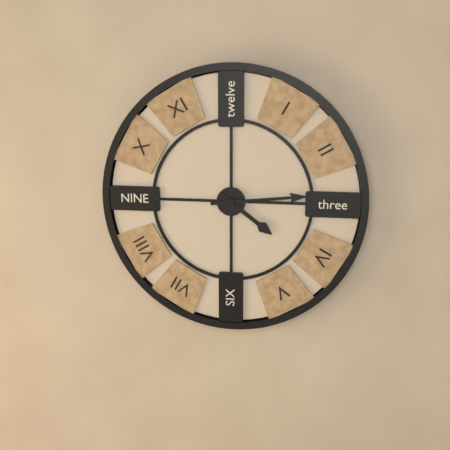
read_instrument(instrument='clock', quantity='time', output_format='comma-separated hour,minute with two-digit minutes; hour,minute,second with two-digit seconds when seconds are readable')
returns 4,14
